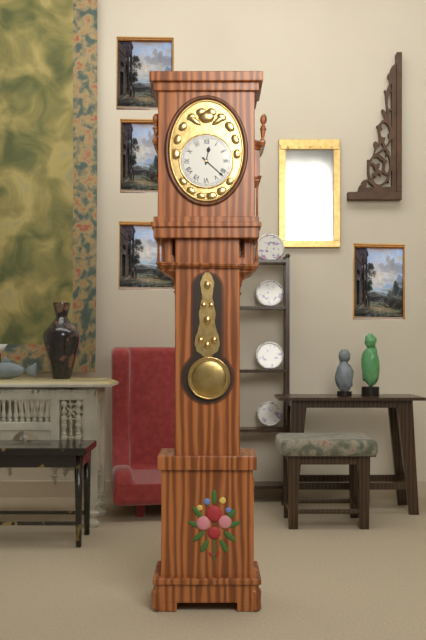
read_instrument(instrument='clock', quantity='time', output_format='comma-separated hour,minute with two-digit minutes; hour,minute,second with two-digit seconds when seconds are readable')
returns 12,22
